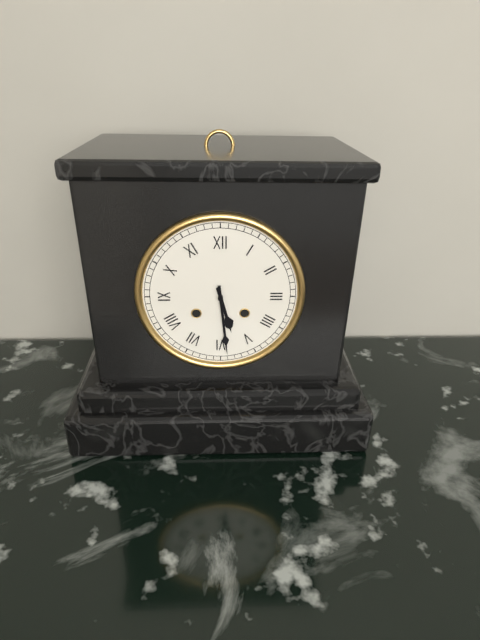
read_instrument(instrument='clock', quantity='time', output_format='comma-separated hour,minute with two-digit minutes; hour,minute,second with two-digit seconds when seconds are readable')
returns 5,29
